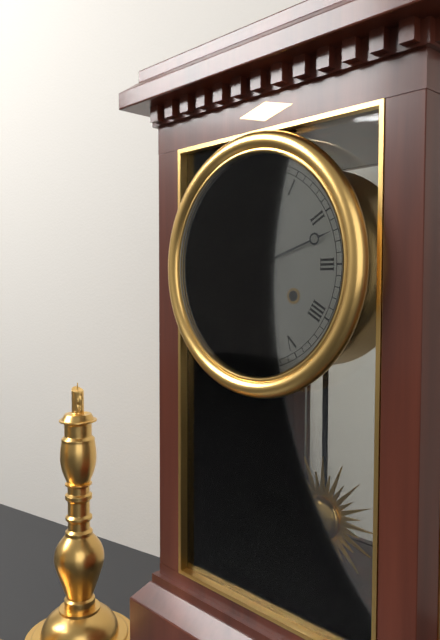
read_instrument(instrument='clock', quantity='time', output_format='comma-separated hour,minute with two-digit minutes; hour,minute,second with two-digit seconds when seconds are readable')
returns 8,12
